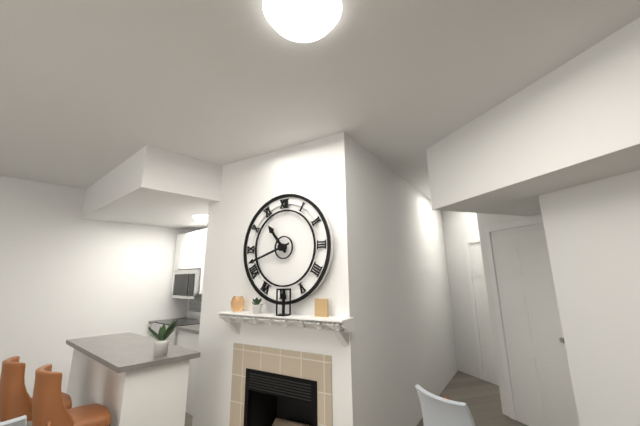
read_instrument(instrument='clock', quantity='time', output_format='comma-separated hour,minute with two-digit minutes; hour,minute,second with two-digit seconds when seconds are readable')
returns 10,42
